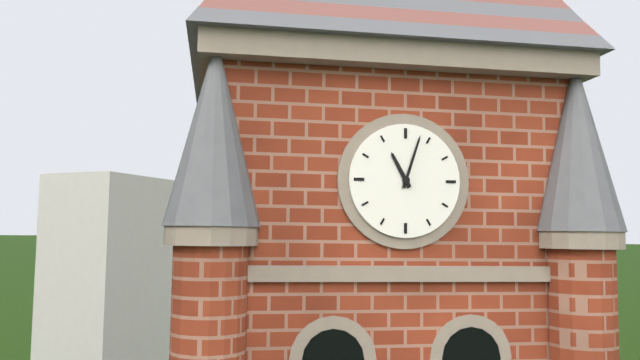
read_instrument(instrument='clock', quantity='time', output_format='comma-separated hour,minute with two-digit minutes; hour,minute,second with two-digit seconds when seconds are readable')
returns 11,03
